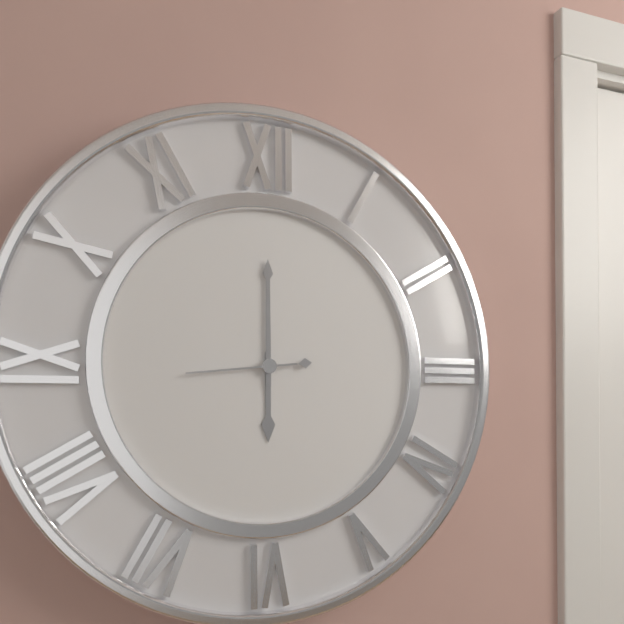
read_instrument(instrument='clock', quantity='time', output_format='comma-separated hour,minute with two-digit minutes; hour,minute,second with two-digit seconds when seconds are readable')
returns 6,00,44
